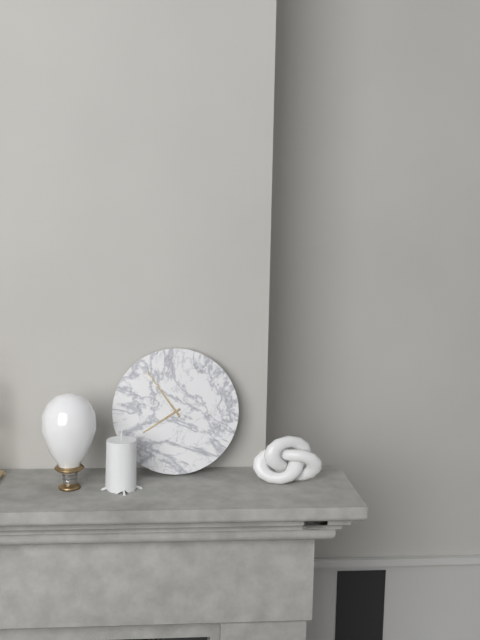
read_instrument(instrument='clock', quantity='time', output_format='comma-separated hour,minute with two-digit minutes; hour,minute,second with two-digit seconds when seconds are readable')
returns 7,54
